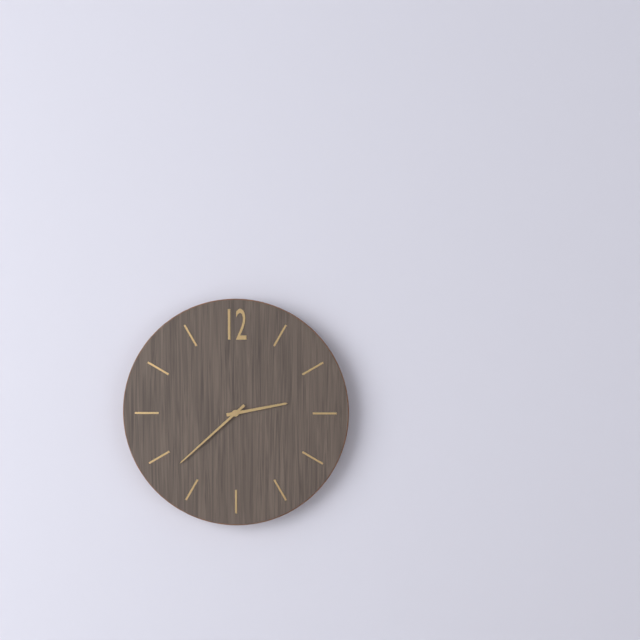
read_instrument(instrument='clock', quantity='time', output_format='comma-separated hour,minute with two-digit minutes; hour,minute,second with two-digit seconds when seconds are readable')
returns 2,38
